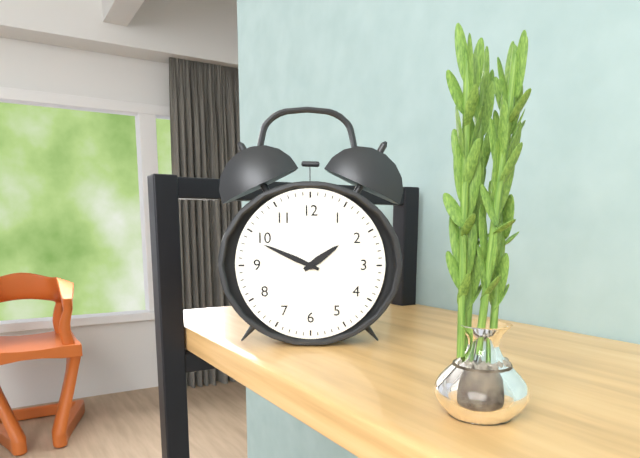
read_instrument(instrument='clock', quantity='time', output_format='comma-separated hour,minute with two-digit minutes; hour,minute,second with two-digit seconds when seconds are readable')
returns 1,49
